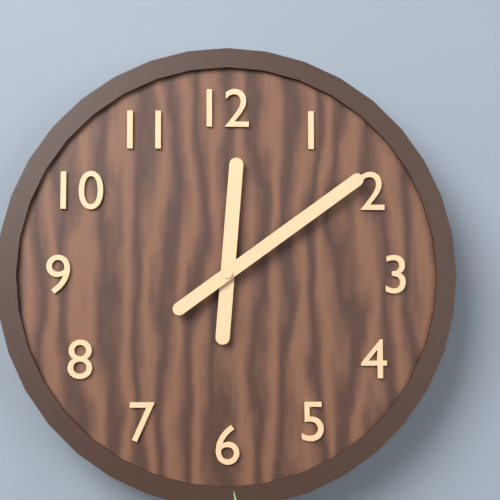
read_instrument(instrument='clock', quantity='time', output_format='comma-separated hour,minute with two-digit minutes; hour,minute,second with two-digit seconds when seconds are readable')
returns 12,09
